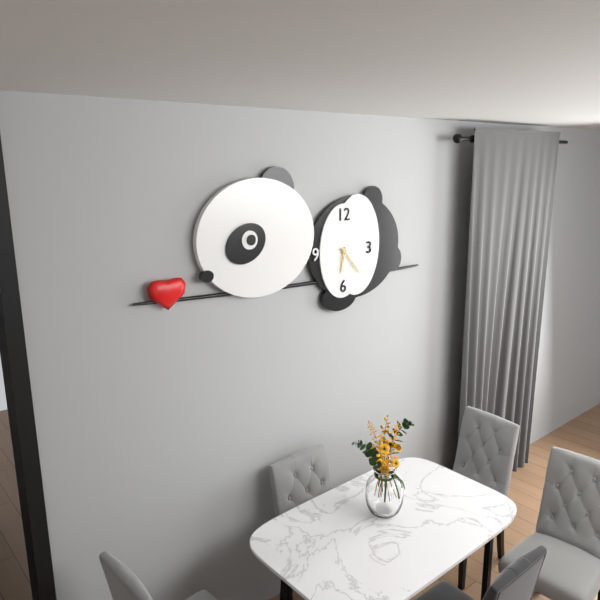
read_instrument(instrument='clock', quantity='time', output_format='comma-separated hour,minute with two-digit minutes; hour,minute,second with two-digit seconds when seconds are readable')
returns 6,23
